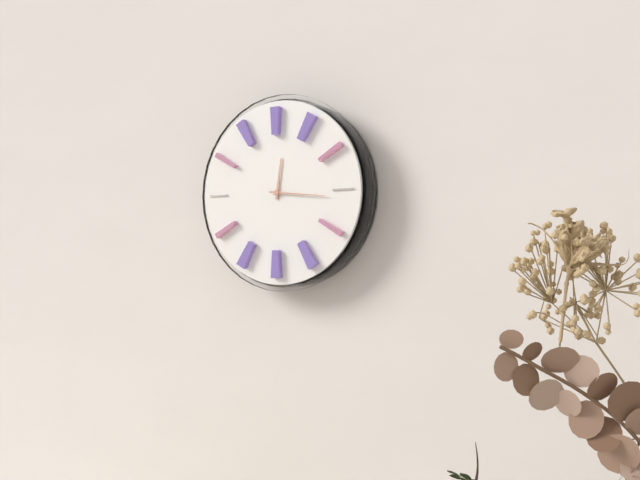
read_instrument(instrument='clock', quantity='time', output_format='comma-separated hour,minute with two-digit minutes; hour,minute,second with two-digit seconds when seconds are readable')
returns 12,16
